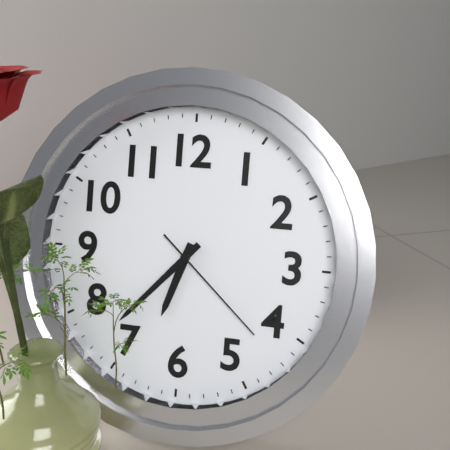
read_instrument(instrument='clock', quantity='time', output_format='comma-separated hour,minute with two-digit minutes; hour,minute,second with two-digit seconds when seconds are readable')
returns 6,37,22
